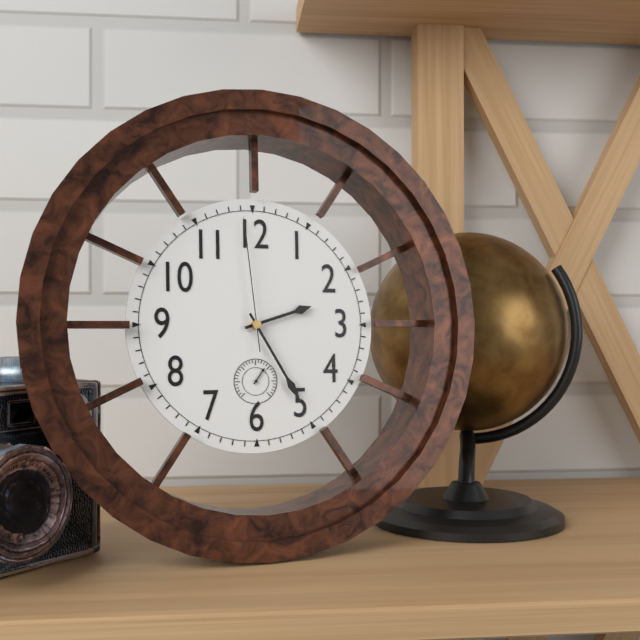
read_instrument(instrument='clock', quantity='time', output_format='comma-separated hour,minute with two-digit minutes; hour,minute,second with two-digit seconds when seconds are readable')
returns 2,25,59
